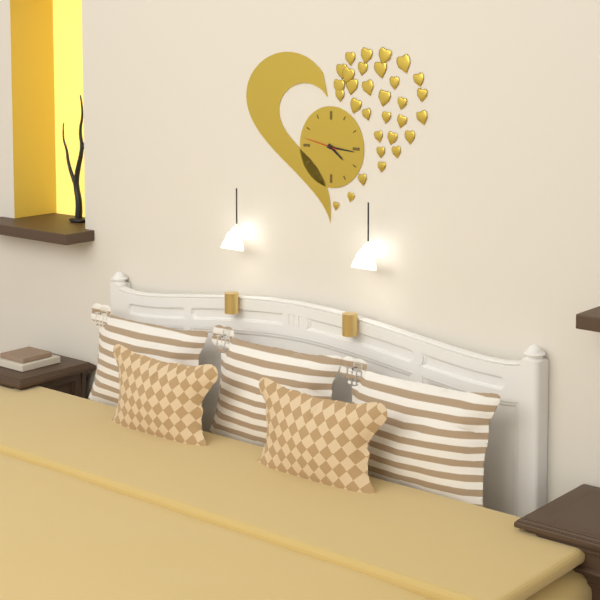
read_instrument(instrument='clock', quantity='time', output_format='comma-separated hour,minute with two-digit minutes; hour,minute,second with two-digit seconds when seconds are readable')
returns 4,16
